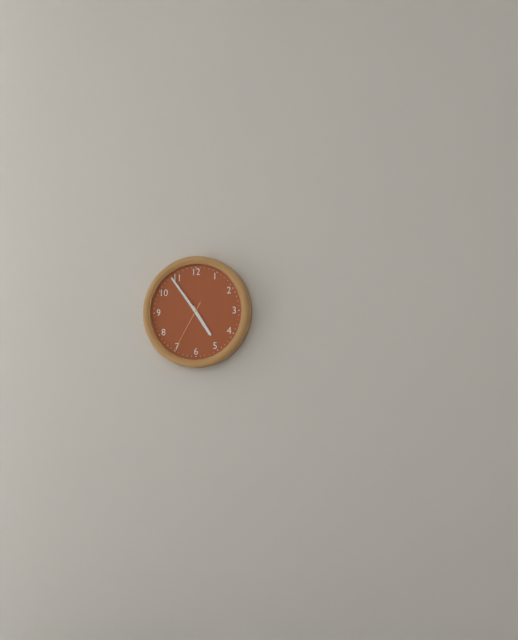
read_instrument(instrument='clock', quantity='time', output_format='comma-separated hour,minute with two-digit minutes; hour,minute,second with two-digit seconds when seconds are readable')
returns 4,54,35
